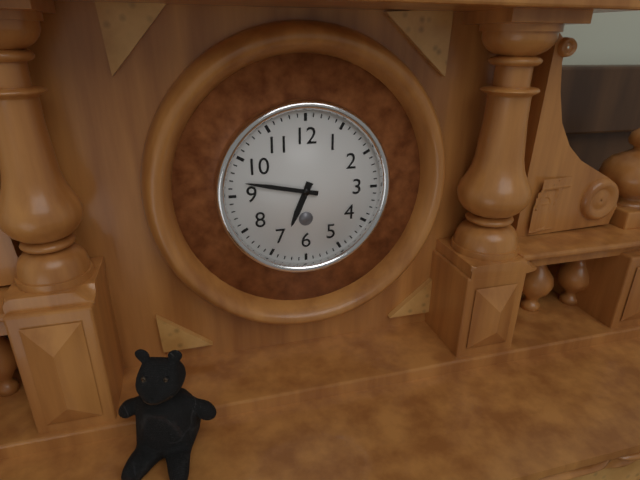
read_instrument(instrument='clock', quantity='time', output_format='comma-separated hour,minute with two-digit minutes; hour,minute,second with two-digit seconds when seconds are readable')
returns 6,47
